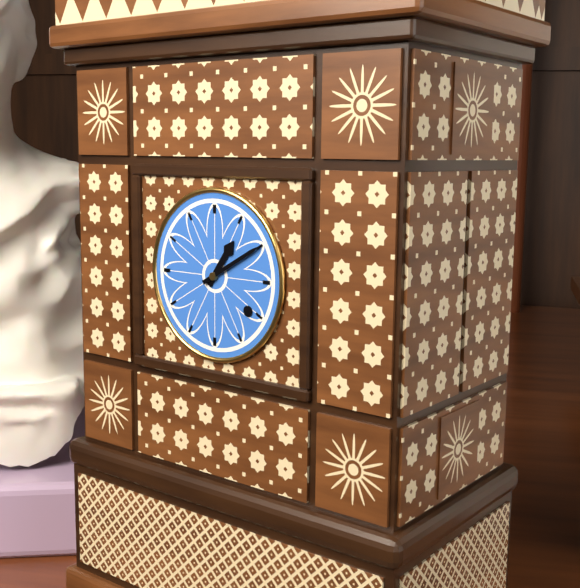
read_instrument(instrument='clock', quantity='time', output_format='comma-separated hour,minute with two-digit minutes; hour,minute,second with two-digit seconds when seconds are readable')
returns 1,10
